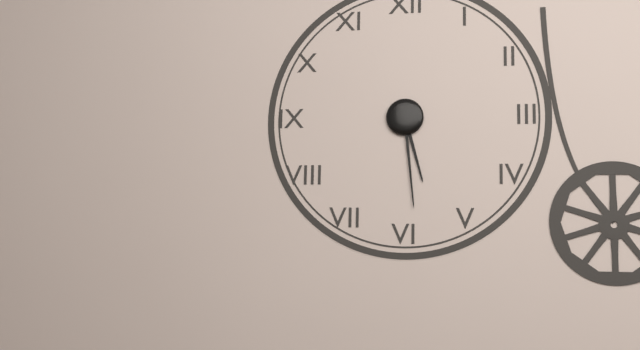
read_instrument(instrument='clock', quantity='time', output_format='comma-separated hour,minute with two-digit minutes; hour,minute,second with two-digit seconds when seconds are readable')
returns 5,29
